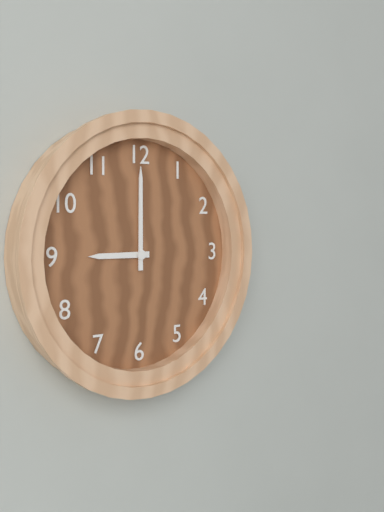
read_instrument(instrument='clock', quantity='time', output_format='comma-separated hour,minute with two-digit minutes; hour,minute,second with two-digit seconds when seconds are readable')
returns 9,00
